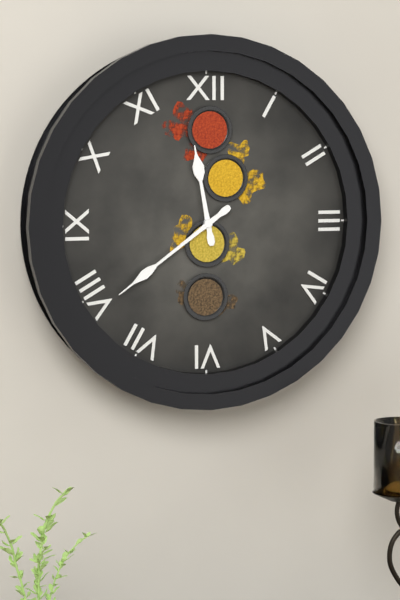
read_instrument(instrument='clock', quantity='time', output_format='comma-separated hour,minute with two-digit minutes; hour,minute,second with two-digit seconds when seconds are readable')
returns 11,39
